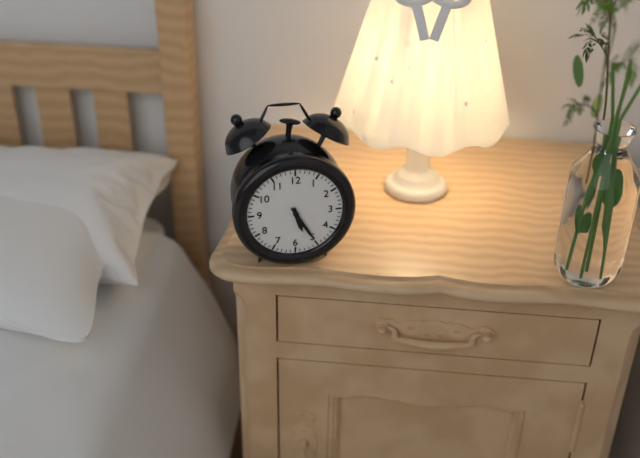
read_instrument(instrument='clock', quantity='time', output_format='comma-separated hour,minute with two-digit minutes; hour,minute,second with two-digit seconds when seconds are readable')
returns 5,25
